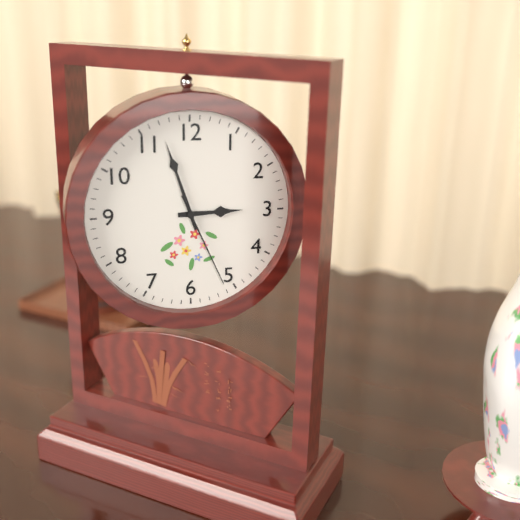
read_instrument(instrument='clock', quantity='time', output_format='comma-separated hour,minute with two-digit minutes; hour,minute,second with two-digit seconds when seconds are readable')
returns 2,57,26
